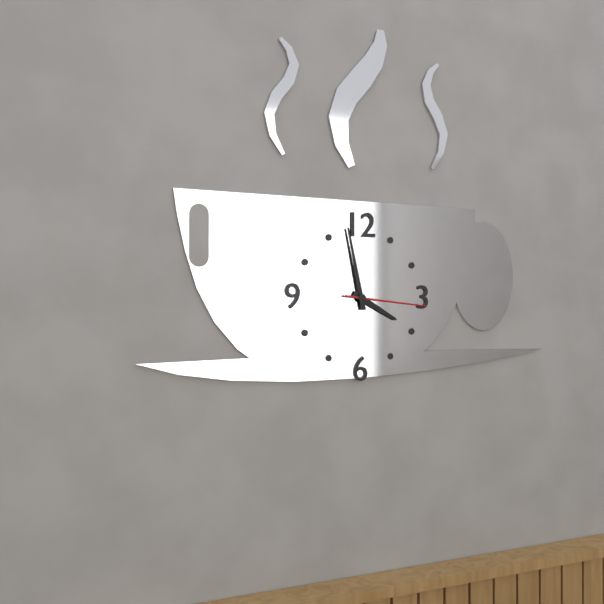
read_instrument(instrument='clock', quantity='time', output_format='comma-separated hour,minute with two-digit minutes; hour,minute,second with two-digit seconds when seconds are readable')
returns 3,58,16
